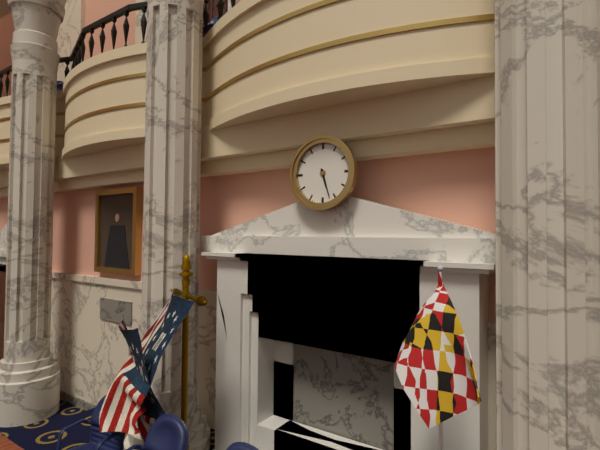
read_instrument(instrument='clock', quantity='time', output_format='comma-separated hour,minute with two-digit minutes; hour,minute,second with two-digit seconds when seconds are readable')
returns 5,27
